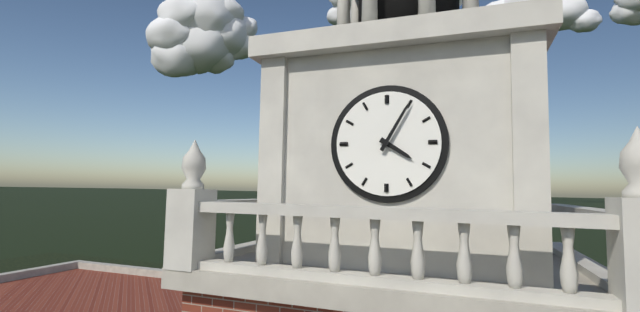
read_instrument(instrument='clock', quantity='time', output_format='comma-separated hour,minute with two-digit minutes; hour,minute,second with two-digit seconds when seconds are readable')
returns 4,05
